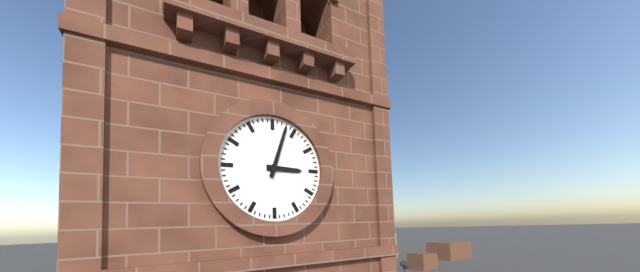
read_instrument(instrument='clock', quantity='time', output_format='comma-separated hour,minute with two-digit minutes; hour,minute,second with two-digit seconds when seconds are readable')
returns 3,03
